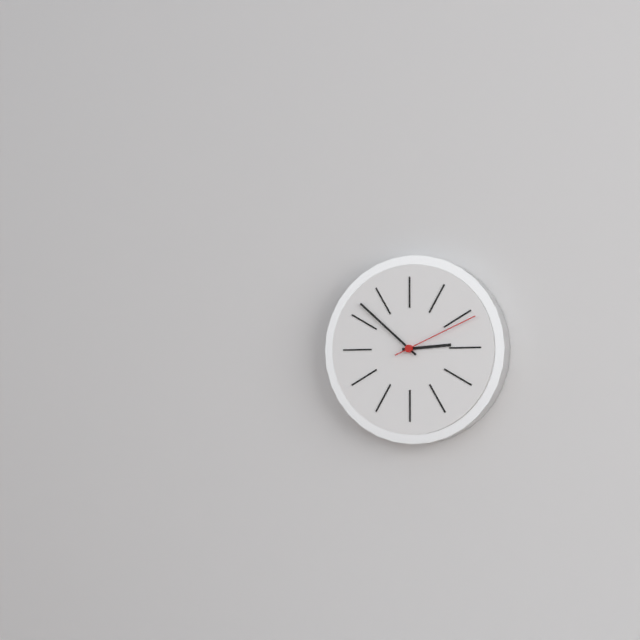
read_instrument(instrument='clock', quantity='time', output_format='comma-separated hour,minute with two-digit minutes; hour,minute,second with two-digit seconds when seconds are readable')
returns 2,52,11
